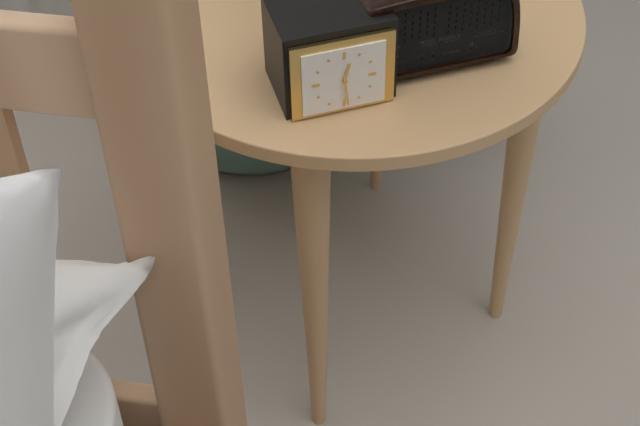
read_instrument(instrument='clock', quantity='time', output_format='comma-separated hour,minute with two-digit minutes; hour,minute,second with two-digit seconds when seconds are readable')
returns 12,29
